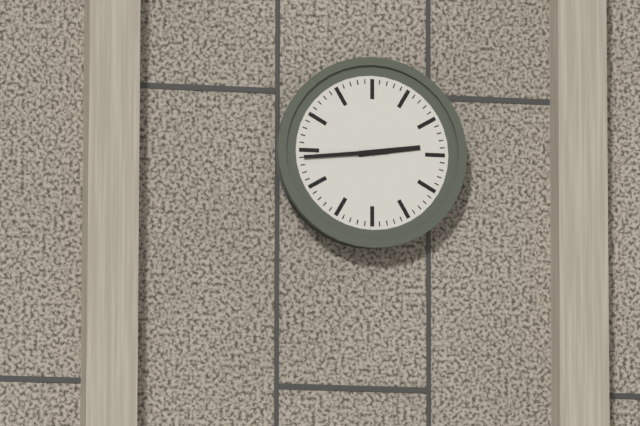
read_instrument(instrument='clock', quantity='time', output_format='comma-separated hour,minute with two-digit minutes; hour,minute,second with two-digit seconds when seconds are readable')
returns 2,44
